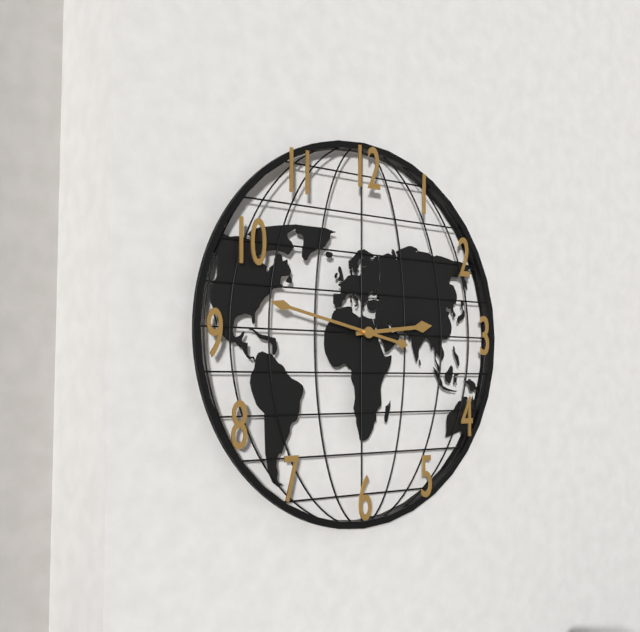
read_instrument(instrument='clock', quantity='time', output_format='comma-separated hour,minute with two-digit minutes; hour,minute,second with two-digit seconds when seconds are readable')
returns 2,47
